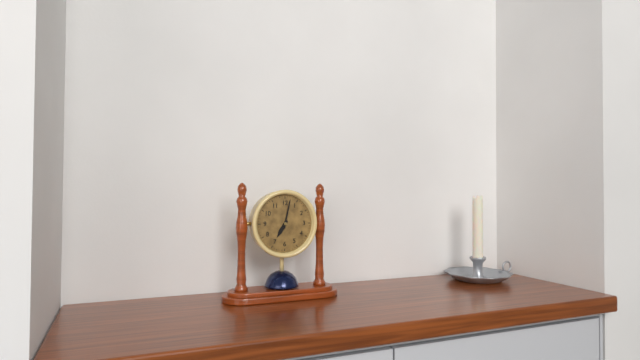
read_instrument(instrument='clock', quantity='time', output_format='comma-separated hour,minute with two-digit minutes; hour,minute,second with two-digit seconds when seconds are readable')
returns 7,02
